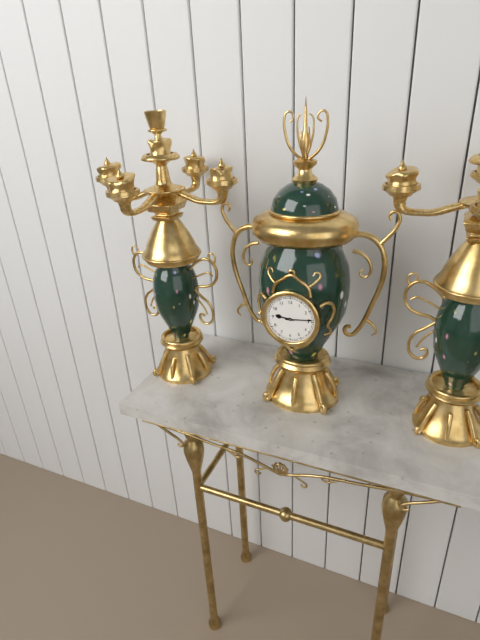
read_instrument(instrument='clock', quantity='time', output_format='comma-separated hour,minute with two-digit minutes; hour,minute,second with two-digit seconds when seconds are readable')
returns 9,14
